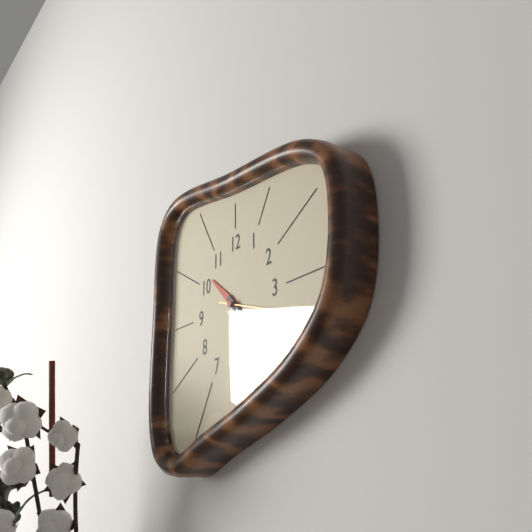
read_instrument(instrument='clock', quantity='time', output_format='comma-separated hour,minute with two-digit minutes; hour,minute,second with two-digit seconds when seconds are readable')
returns 10,23,18
